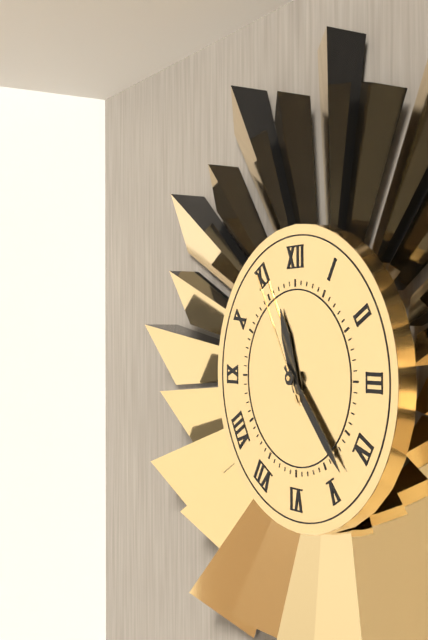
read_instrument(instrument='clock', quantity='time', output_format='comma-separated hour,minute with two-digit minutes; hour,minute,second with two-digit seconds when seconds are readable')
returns 11,23,55
